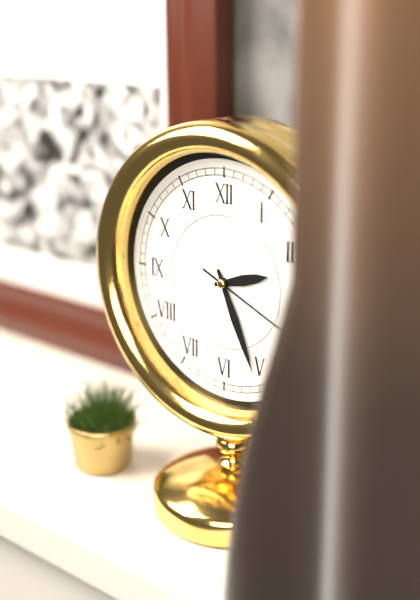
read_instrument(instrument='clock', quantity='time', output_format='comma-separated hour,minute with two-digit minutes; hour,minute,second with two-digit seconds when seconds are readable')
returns 2,26,19
